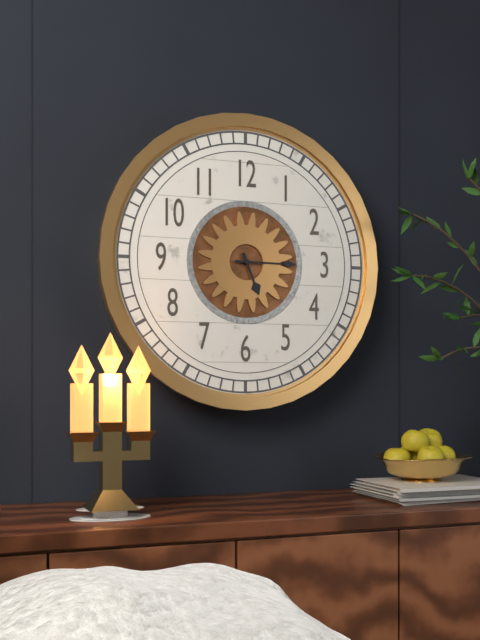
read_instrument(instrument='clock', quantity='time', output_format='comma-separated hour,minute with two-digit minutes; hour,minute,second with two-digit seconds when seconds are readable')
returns 5,15
